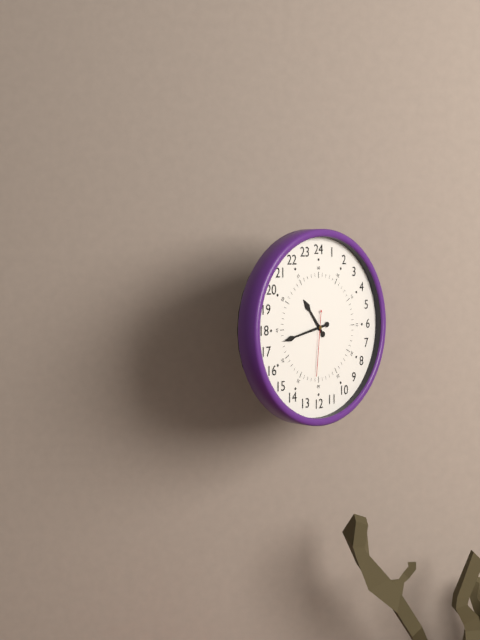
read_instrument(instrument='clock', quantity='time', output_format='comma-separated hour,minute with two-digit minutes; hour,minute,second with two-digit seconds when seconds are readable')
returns 10,43,31
